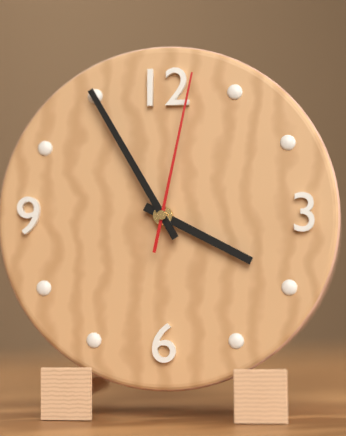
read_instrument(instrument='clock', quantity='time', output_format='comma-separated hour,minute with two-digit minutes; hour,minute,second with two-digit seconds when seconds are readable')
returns 3,55,02
